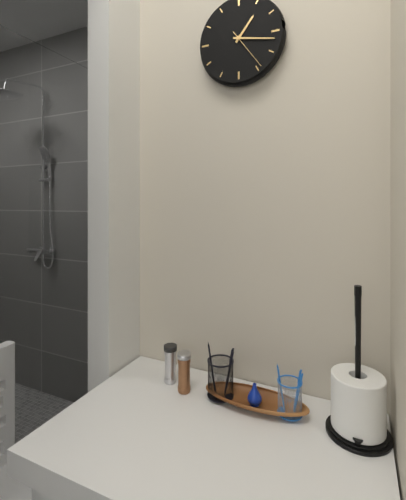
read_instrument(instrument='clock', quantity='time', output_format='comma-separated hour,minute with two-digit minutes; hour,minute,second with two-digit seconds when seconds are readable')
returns 1,17
